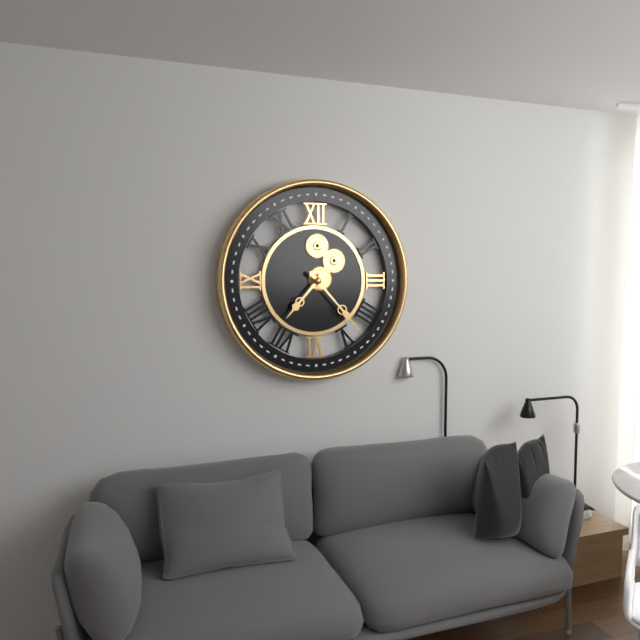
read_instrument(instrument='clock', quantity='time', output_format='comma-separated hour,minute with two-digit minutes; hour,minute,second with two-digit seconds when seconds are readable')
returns 7,23
